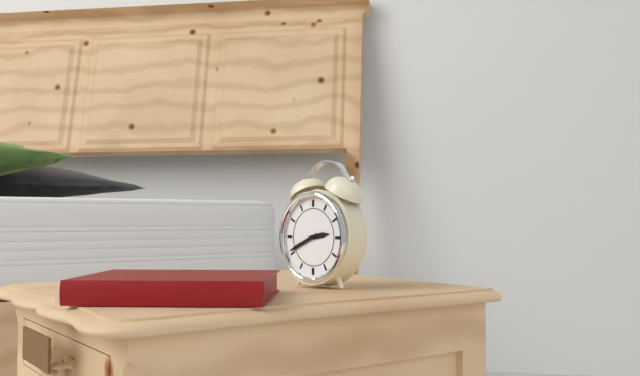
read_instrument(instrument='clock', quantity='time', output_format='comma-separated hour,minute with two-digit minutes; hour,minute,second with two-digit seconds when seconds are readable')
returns 2,41
